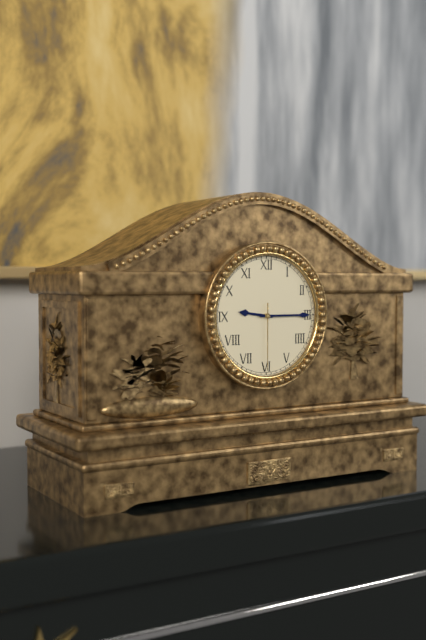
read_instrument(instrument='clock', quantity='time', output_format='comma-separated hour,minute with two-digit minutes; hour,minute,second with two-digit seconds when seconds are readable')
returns 9,15,30
